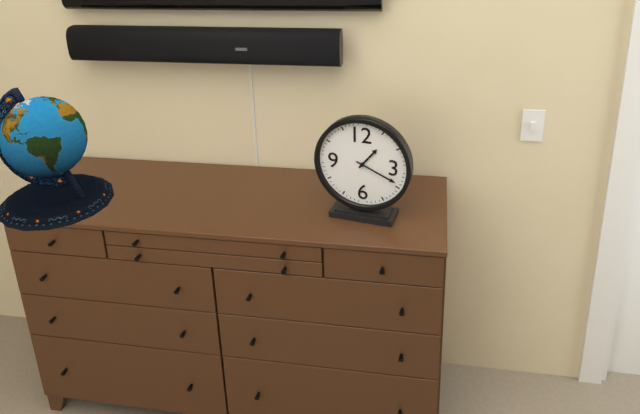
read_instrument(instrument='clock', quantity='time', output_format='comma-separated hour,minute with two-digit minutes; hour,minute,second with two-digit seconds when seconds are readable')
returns 1,19
